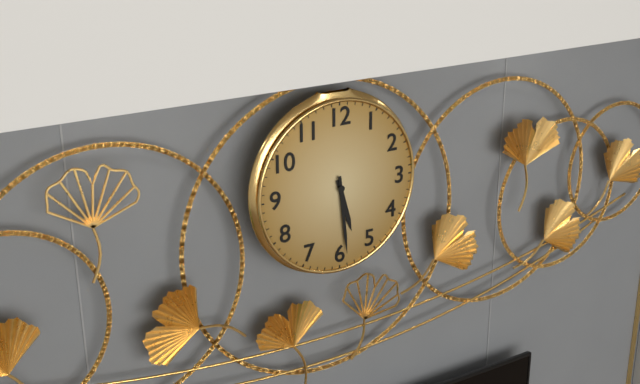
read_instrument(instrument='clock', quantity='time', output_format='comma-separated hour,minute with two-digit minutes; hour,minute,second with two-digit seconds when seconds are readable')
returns 5,29
